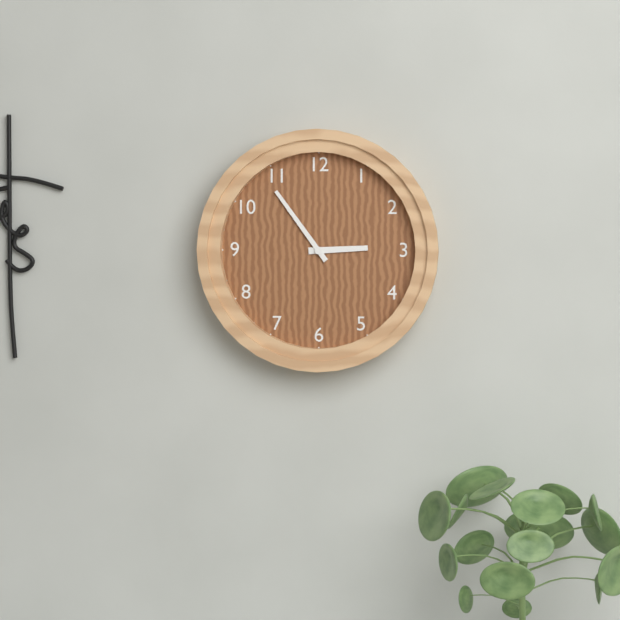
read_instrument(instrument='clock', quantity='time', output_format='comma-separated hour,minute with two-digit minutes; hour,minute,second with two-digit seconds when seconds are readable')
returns 2,54
